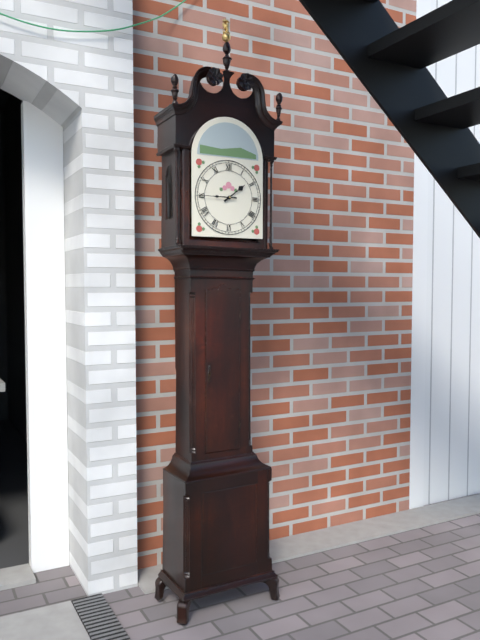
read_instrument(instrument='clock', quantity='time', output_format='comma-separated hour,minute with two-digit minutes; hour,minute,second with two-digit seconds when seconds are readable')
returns 1,45
